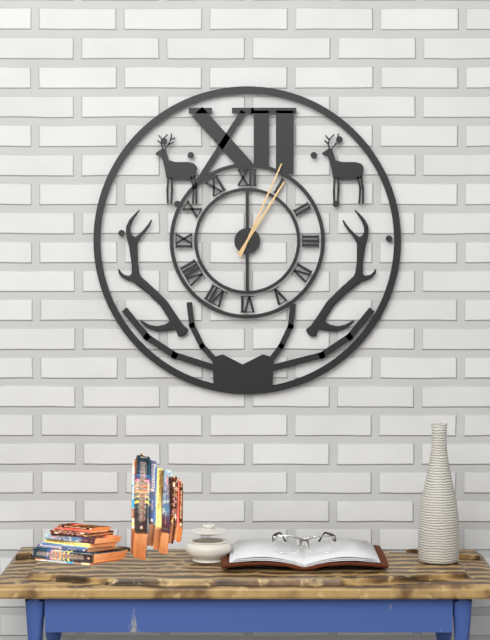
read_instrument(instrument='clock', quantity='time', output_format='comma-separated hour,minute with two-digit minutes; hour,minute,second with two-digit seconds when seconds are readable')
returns 1,04
